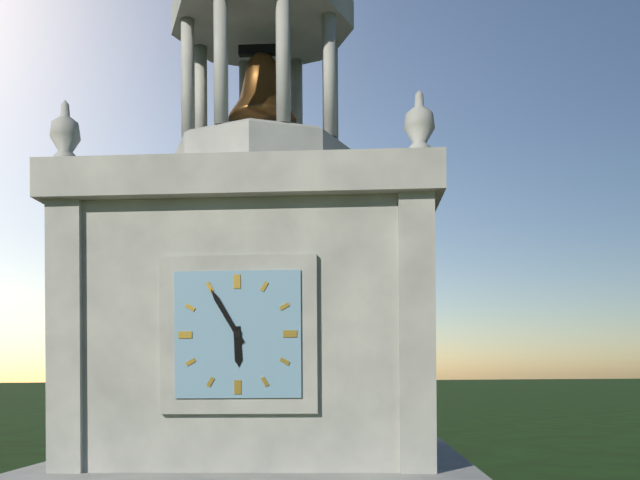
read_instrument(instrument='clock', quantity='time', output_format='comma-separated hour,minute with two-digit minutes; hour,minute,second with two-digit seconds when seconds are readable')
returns 5,55
